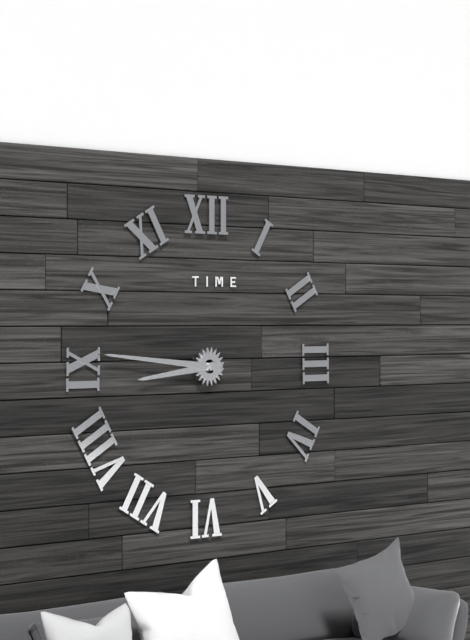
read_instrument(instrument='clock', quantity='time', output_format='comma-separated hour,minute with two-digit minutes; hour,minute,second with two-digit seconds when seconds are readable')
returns 8,46
